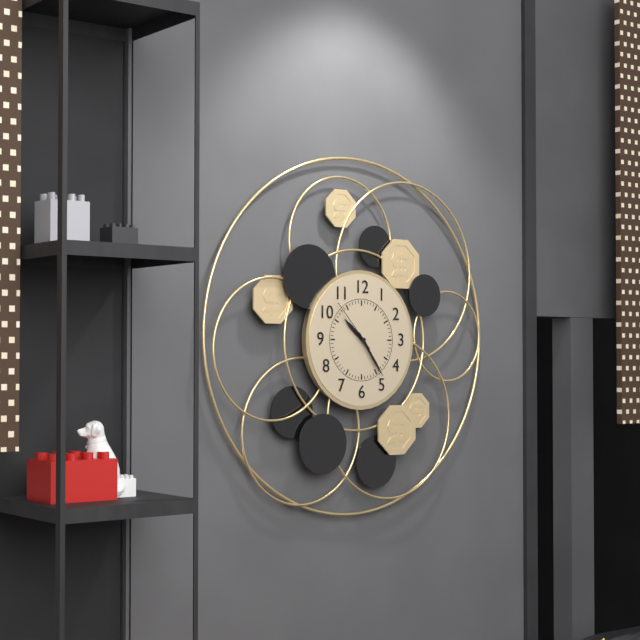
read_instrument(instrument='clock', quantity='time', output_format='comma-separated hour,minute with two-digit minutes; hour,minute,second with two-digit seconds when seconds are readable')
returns 10,24,53
